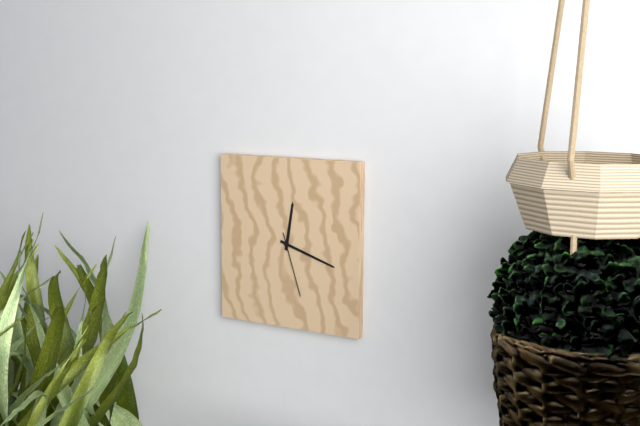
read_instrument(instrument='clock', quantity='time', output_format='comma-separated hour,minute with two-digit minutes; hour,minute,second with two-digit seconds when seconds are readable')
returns 12,18,27
